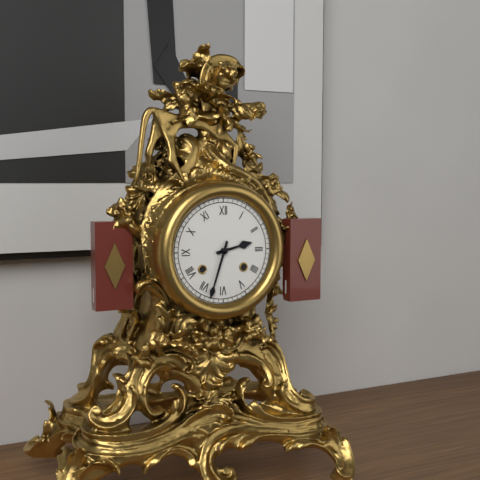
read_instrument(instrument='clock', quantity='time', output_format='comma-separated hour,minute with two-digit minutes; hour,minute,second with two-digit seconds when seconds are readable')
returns 2,33
